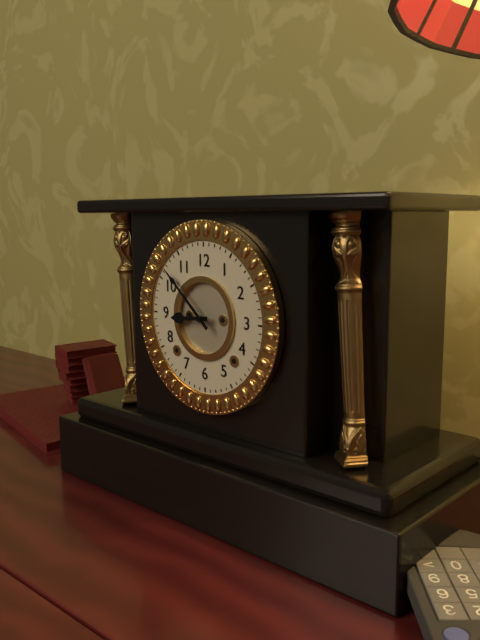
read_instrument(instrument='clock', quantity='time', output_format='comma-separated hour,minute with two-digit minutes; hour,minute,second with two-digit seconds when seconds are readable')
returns 8,52
